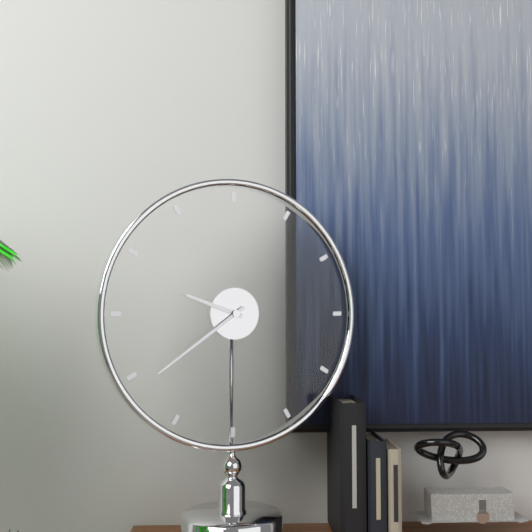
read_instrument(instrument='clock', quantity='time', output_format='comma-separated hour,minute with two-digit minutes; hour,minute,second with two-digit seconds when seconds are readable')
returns 9,39
